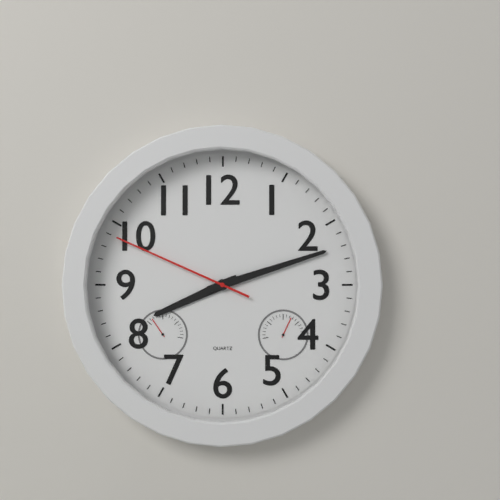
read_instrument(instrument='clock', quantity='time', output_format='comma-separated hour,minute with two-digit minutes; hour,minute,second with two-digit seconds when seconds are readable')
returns 8,12,49
